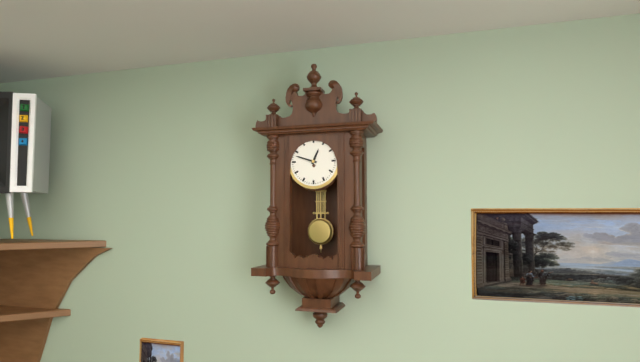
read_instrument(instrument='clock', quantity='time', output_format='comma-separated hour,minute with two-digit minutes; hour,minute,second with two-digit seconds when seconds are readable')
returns 12,48
